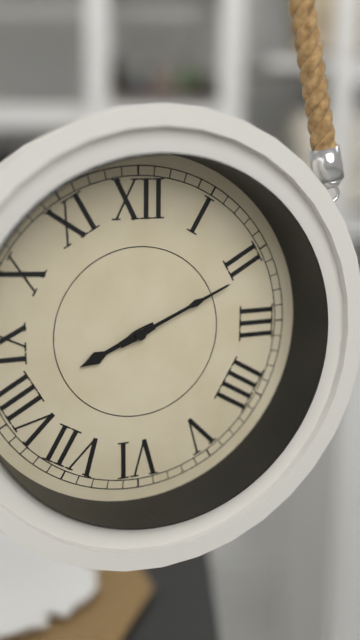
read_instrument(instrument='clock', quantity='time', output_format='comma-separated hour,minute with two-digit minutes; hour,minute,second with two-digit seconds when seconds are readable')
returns 8,11
